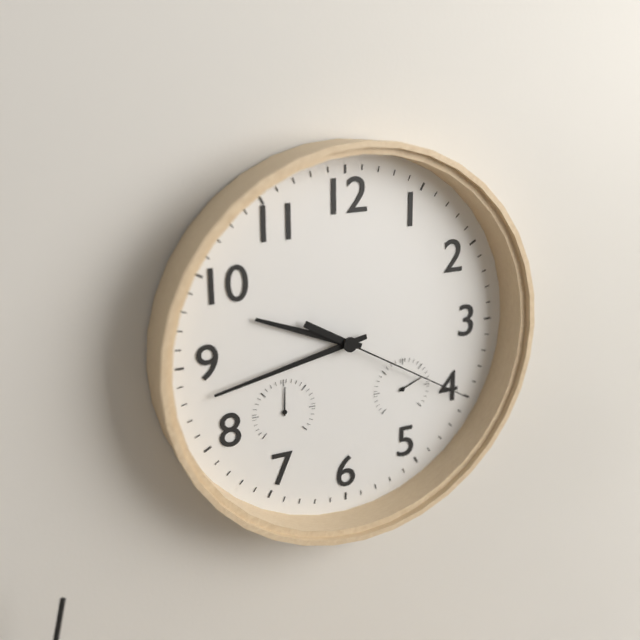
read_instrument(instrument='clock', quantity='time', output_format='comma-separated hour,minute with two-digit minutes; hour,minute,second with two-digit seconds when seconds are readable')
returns 9,43,20
